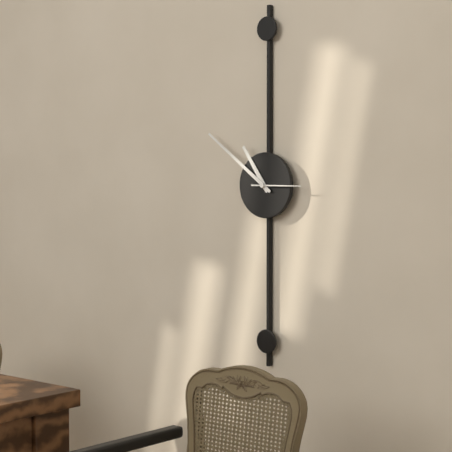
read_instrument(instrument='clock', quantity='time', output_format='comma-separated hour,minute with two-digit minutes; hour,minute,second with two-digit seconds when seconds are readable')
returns 10,51
